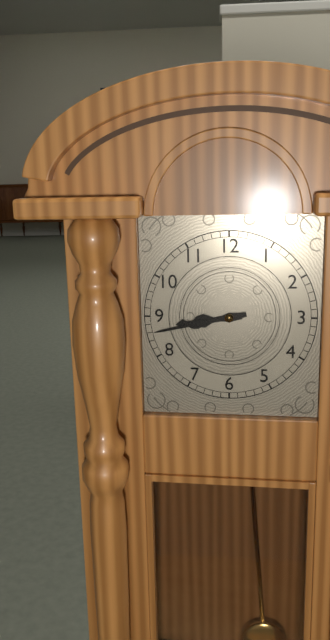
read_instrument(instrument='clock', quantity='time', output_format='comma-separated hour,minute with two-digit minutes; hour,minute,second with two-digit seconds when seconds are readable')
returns 8,43
